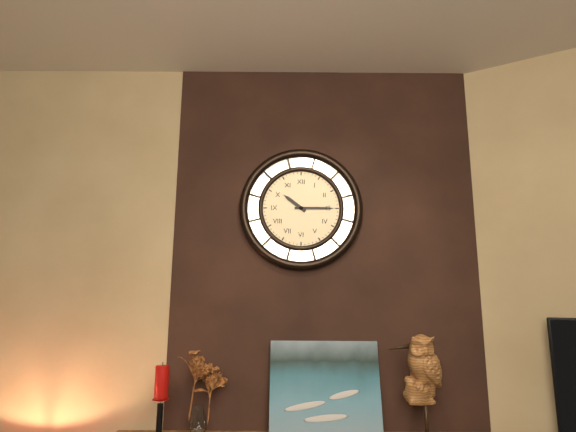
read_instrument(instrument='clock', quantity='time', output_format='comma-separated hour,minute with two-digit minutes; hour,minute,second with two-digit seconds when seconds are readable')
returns 10,15
